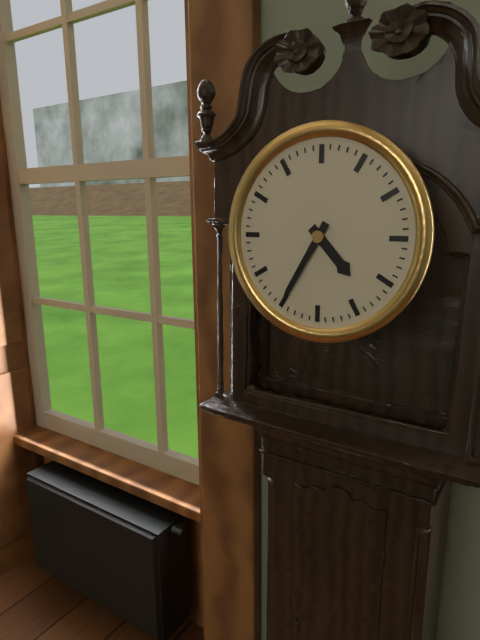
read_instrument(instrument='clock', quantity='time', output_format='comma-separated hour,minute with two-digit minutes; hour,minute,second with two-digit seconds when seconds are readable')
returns 4,35
